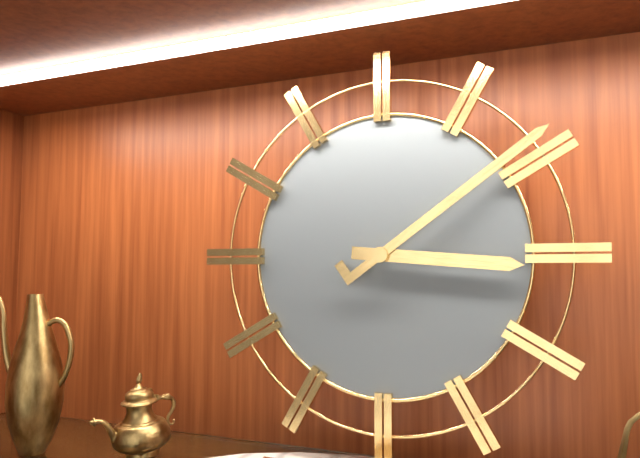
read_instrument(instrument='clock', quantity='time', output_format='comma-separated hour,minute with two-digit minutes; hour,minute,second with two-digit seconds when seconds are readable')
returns 3,09
